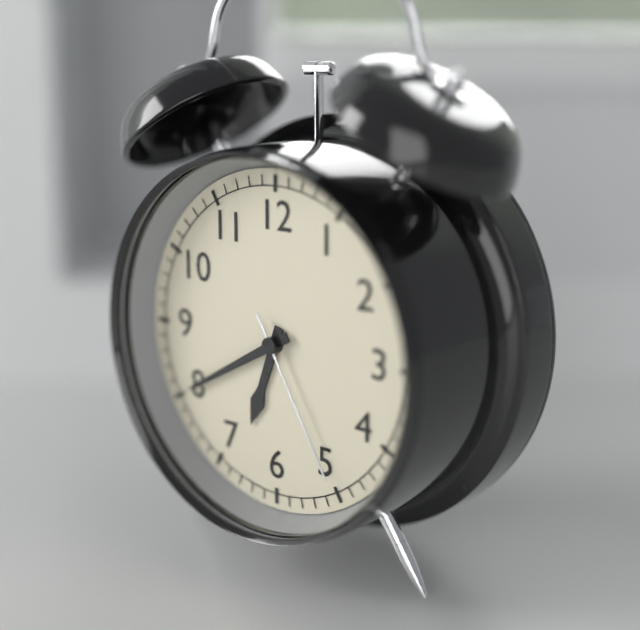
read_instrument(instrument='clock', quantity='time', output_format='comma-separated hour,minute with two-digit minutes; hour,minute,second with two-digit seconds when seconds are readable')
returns 6,40,25
